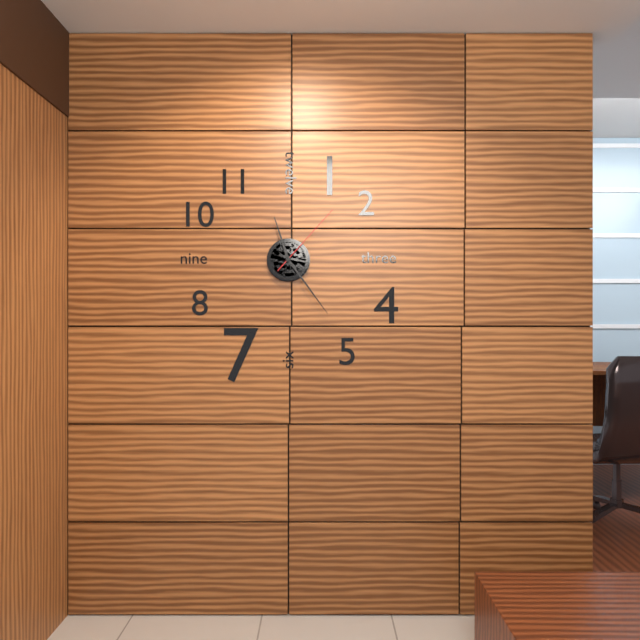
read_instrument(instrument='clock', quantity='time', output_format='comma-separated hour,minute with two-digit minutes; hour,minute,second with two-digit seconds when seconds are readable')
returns 11,24,07
